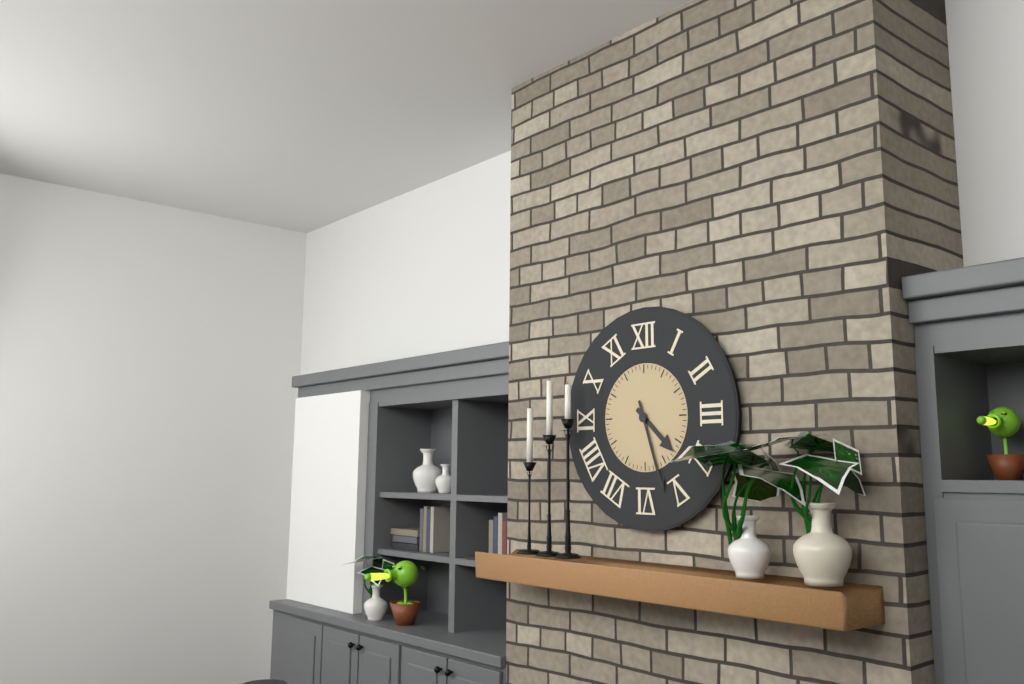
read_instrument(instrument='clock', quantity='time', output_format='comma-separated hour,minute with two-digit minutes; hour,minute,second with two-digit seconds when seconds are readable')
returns 4,27
